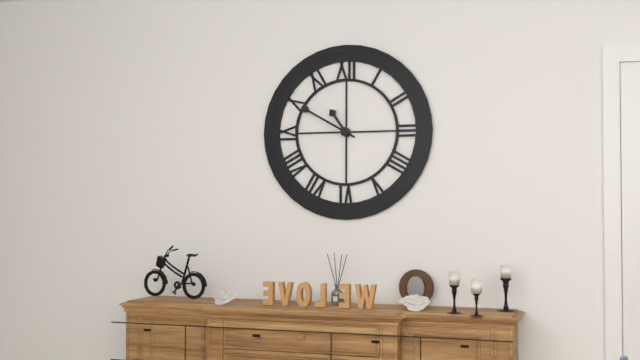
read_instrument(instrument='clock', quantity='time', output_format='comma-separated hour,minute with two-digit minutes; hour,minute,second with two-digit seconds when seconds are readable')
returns 10,50
